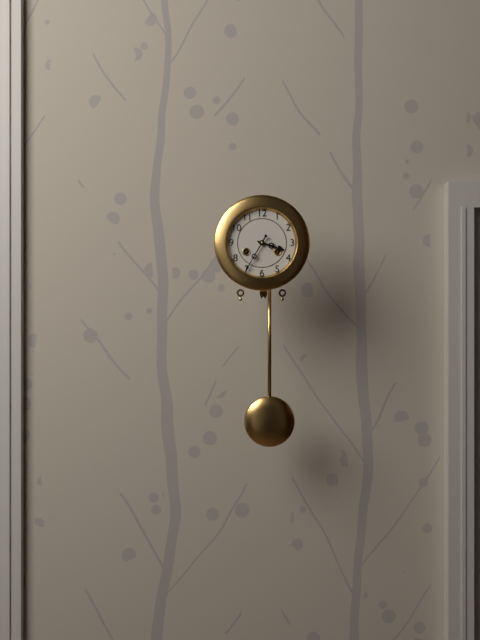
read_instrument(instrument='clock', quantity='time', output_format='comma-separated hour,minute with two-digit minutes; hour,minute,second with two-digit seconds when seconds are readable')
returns 3,35
